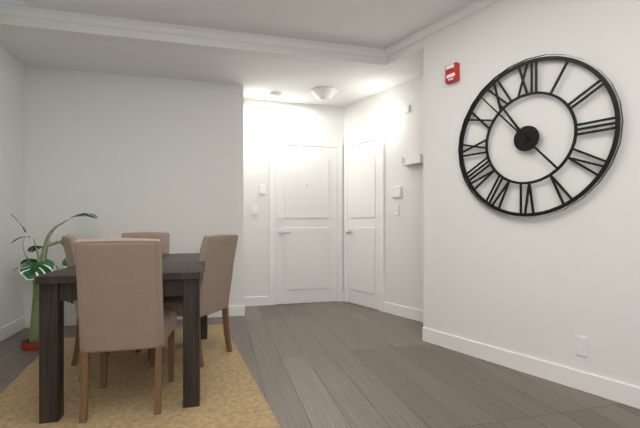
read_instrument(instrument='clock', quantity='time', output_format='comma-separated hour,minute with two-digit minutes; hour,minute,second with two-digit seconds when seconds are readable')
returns 10,53
